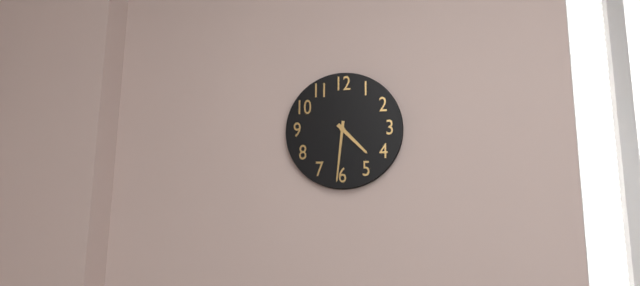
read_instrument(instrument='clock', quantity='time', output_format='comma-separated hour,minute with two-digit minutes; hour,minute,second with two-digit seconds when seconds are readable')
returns 4,31
